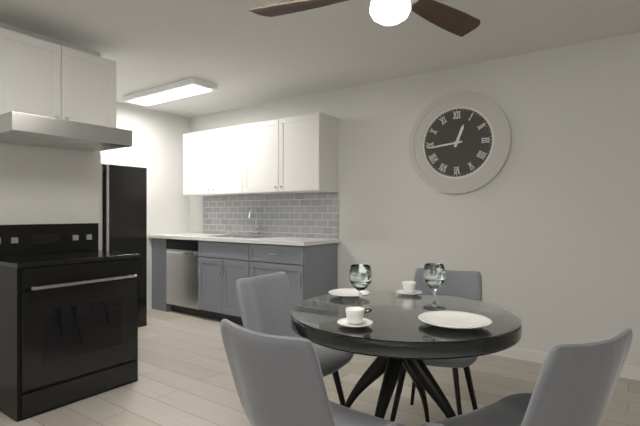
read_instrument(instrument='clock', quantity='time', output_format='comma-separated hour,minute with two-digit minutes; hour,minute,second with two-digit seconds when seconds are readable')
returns 12,44
